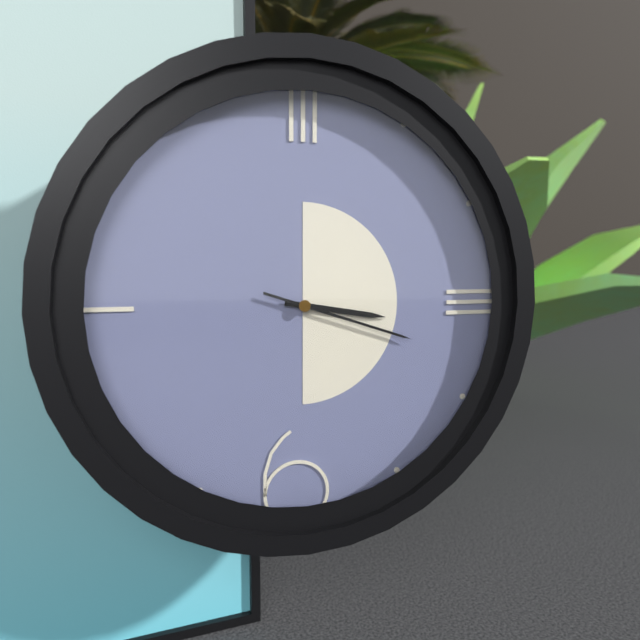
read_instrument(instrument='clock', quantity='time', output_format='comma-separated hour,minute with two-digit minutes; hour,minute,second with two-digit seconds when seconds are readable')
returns 3,18
